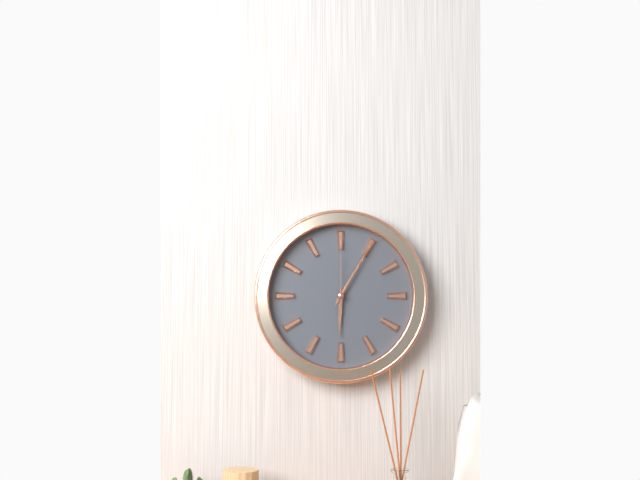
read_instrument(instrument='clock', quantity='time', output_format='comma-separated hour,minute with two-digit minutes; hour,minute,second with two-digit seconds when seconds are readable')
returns 6,05,00
